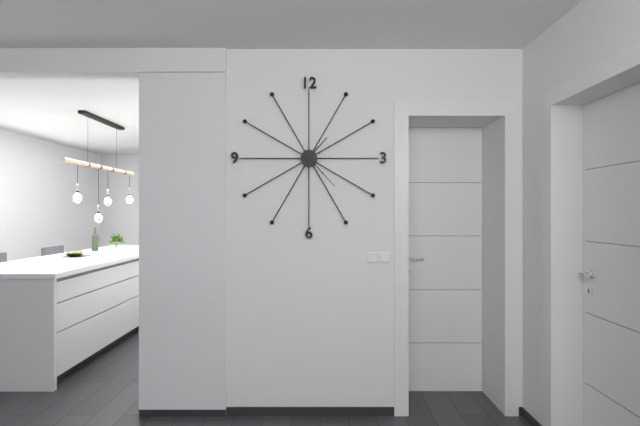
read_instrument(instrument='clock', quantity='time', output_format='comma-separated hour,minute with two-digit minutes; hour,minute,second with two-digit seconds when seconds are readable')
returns 1,23
